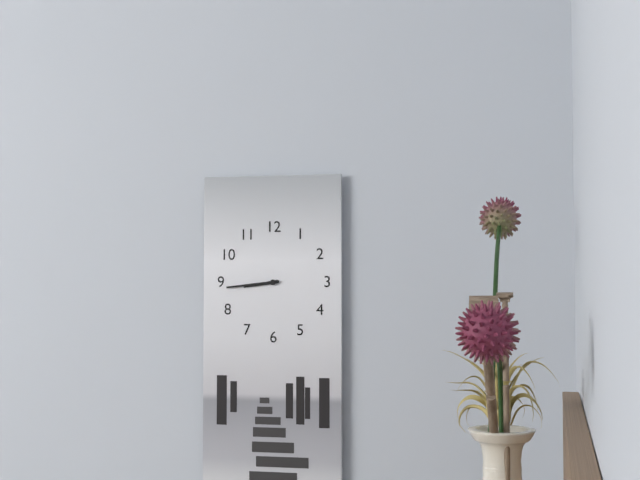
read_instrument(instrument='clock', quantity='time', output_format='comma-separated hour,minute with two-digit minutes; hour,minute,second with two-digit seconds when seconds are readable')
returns 8,44
